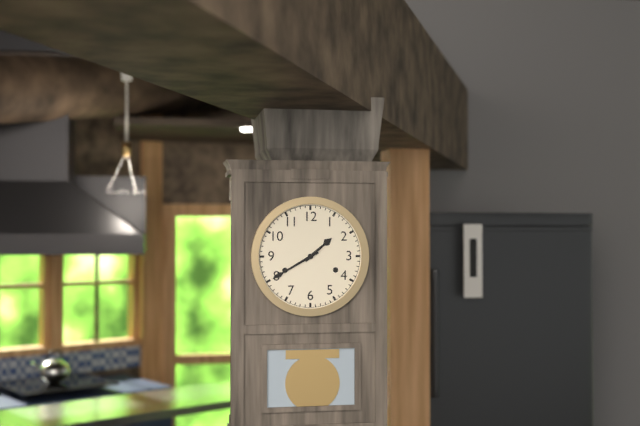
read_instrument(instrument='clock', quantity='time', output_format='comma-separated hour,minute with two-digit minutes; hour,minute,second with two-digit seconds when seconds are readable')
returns 1,40
